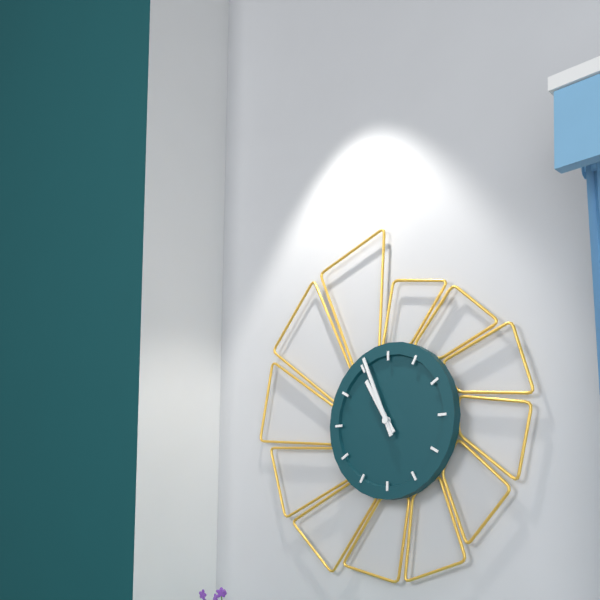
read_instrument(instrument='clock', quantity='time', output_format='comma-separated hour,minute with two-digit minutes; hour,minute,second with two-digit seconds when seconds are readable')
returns 10,56
